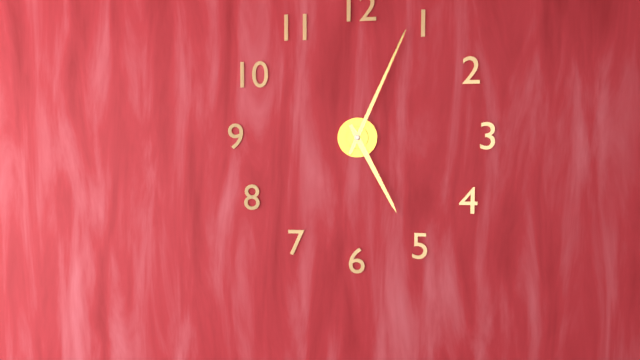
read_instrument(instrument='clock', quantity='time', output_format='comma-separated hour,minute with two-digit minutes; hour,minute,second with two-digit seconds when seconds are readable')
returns 5,04
